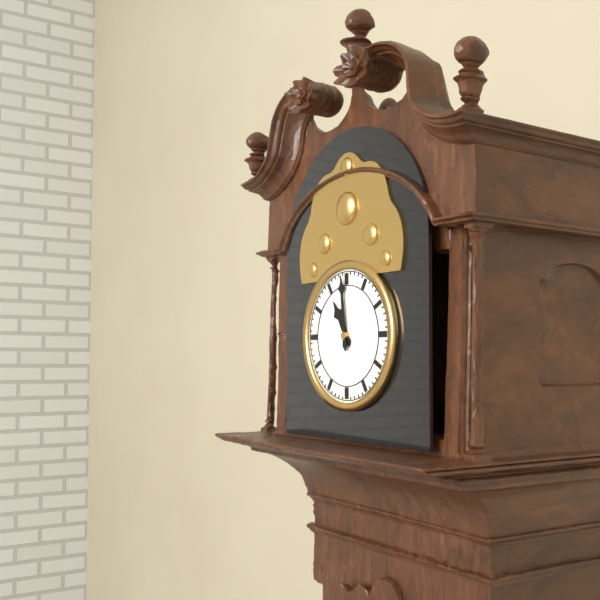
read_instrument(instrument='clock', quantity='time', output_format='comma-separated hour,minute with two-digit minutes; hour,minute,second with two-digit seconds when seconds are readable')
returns 10,59
